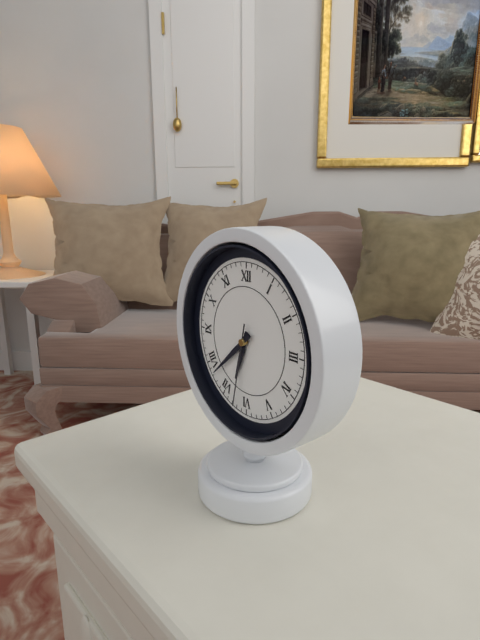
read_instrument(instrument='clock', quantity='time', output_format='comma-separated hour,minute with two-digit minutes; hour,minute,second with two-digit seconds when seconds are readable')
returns 6,38,32
